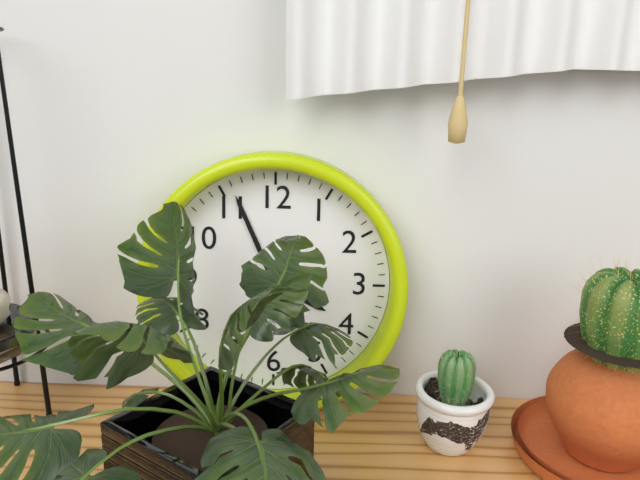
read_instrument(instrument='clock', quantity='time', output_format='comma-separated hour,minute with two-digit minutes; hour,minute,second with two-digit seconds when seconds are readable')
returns 3,56
